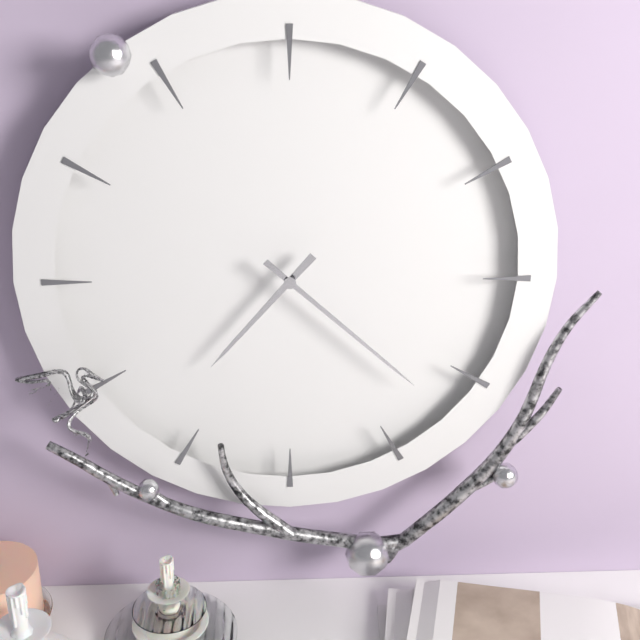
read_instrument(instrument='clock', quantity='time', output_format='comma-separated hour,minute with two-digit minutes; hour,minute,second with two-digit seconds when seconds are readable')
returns 7,22
